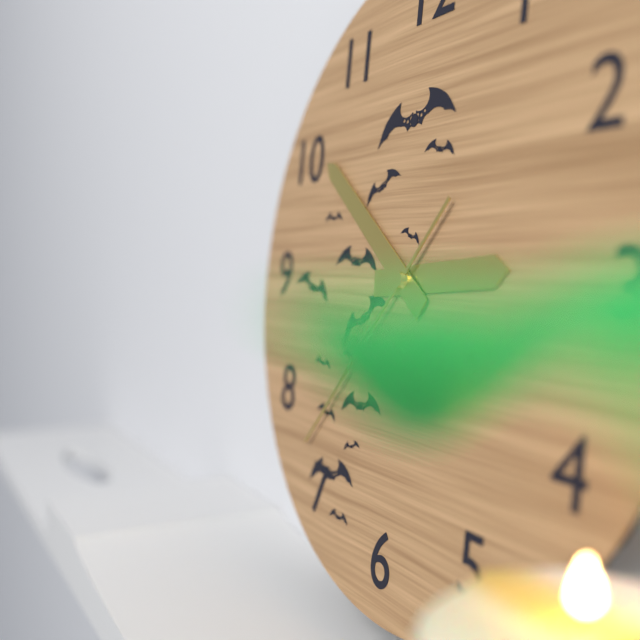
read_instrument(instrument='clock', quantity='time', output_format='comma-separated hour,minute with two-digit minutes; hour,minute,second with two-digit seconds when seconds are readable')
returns 2,51,37
